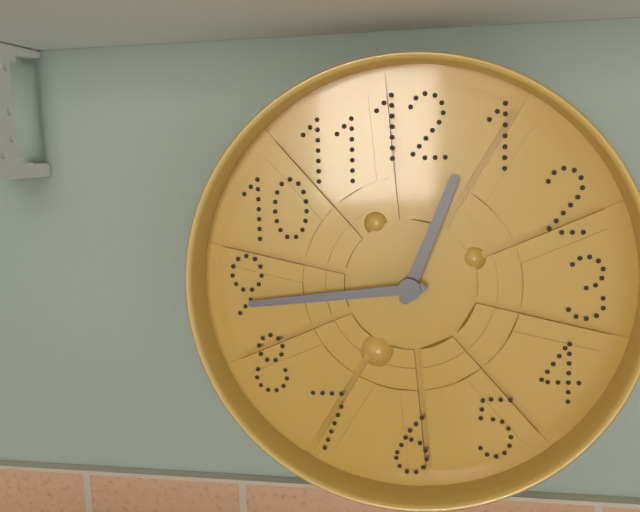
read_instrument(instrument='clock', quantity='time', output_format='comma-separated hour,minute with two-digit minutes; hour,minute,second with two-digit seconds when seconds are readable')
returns 12,44
